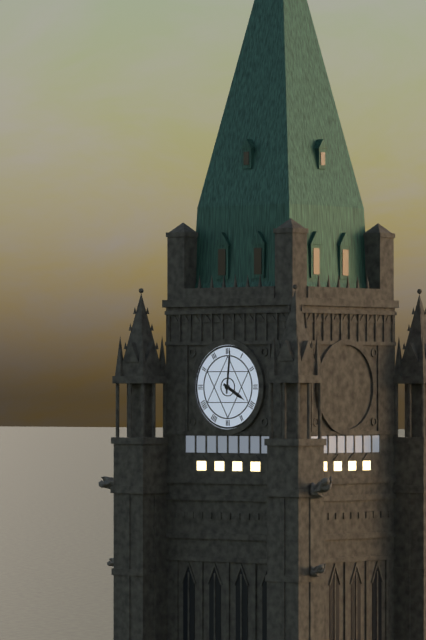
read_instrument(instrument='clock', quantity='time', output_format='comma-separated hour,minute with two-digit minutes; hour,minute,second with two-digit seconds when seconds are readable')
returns 4,01
